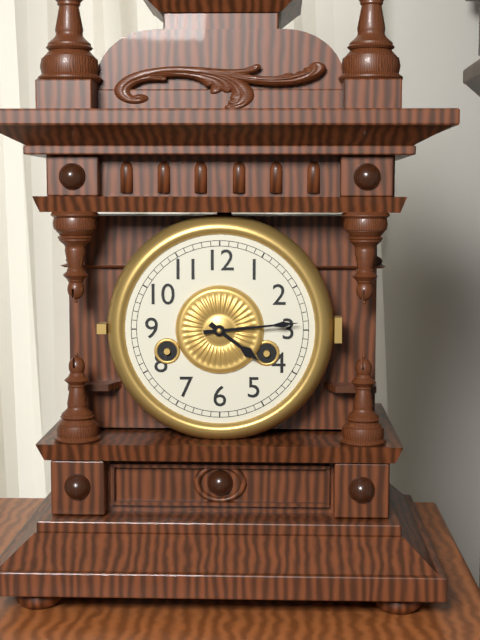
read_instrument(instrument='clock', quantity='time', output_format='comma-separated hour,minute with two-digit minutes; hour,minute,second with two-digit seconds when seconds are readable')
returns 4,14
